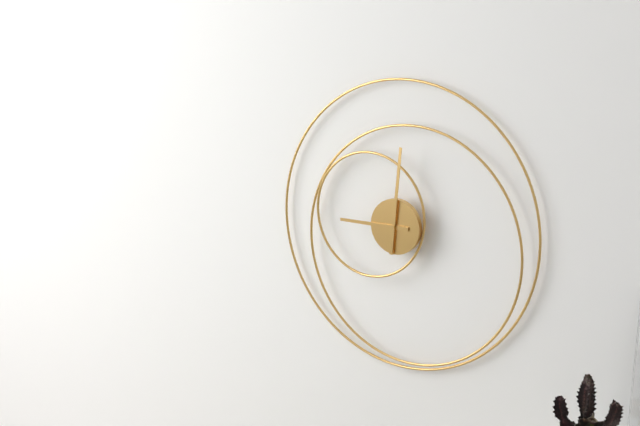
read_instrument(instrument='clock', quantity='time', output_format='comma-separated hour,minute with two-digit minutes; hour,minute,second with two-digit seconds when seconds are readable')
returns 9,01
